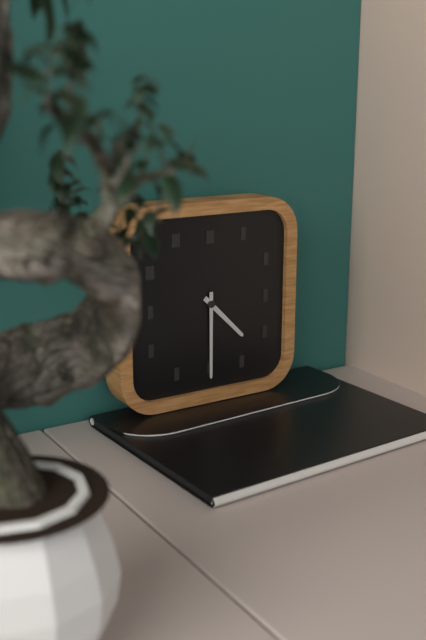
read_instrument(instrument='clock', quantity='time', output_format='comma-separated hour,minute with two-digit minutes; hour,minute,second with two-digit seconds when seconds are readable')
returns 4,30
